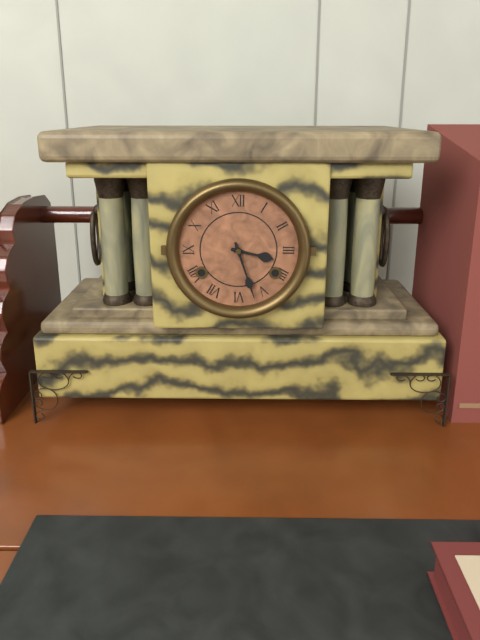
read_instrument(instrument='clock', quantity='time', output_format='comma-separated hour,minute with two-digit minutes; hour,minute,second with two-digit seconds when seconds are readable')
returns 3,27
